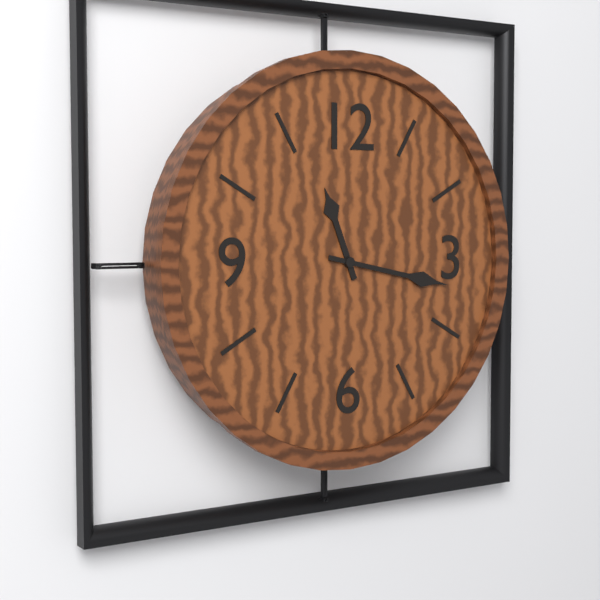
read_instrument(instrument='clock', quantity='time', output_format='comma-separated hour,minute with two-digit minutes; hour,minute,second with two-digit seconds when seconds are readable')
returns 11,17
